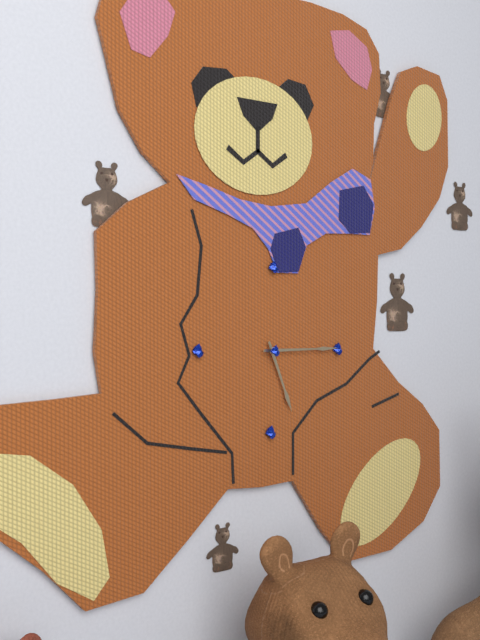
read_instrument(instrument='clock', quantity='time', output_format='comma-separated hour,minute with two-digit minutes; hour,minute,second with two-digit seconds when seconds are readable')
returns 5,15
